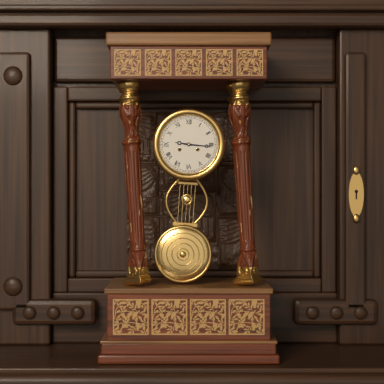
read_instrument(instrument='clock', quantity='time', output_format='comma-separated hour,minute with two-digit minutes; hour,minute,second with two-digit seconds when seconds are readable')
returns 9,16
